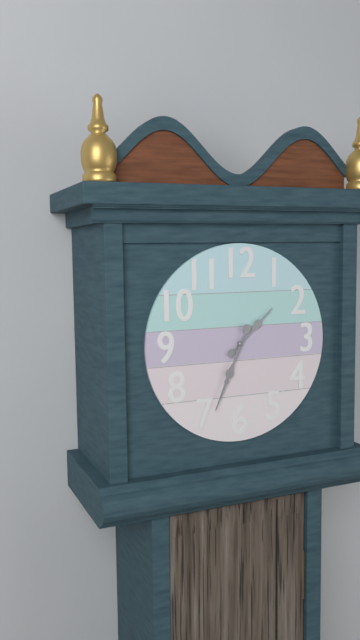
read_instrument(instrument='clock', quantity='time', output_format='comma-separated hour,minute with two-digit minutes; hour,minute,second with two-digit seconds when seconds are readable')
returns 1,34
